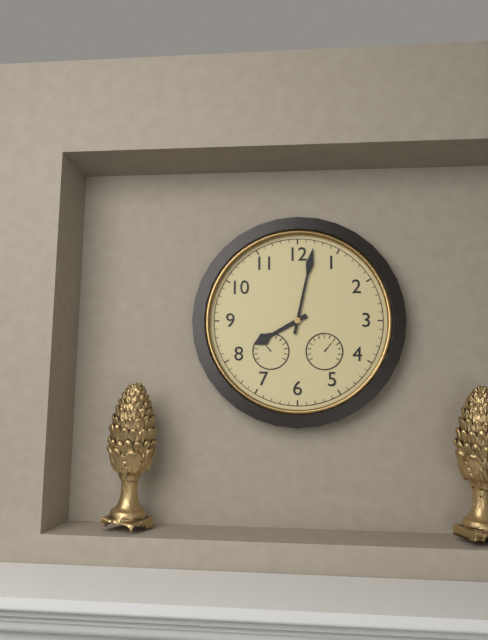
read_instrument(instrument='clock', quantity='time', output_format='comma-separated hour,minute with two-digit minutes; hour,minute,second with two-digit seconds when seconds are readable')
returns 8,02
